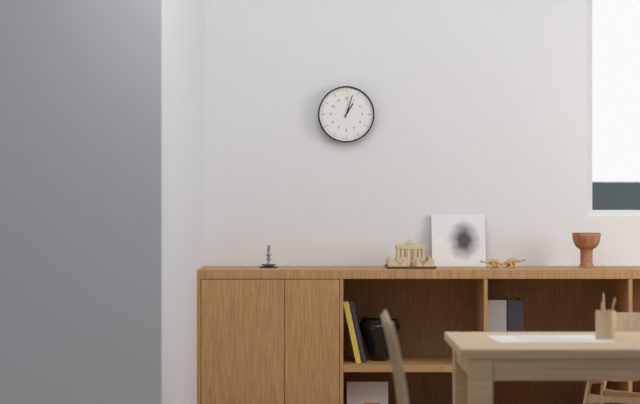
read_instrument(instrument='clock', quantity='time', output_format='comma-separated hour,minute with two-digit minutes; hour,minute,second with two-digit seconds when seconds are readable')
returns 1,03
